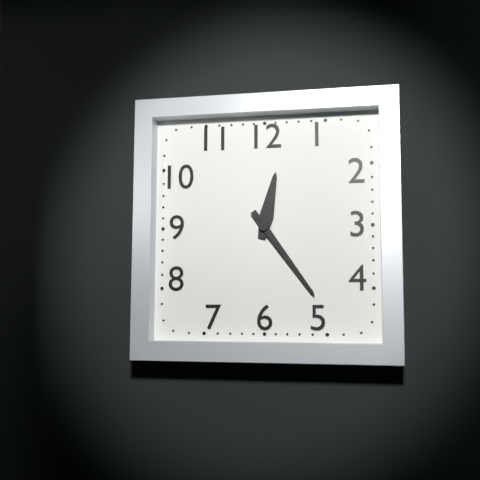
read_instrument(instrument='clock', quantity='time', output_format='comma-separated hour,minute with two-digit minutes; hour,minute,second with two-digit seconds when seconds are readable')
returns 12,24
